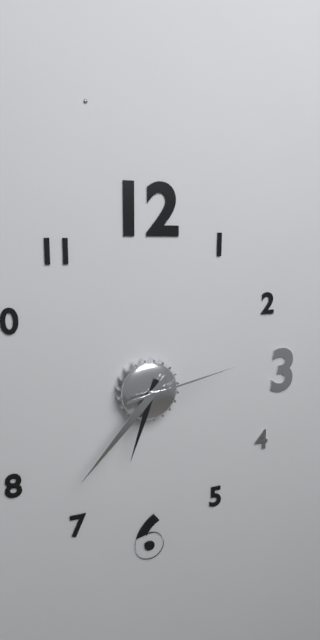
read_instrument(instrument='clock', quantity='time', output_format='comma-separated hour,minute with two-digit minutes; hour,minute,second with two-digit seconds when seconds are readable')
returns 6,37,13
